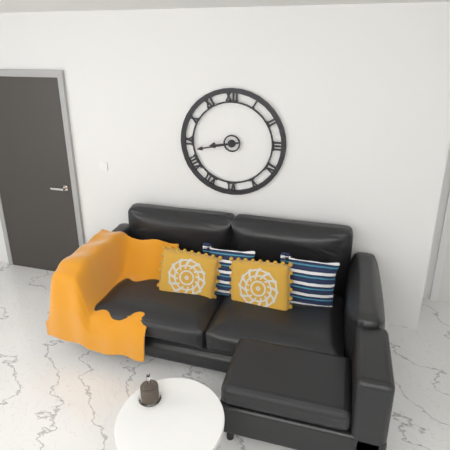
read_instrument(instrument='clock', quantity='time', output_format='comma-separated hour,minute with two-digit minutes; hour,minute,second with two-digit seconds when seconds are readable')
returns 8,43
